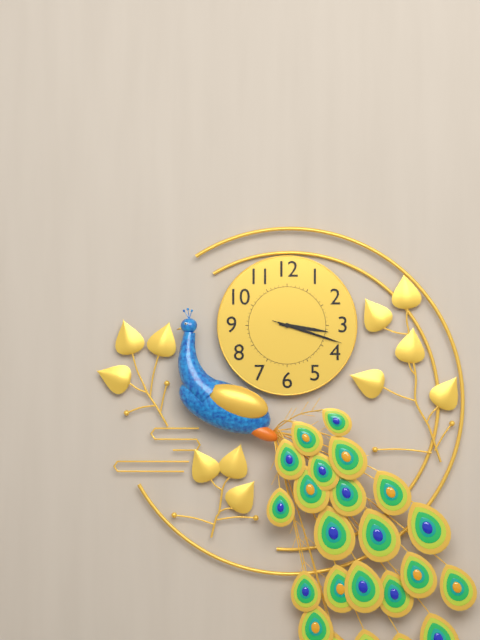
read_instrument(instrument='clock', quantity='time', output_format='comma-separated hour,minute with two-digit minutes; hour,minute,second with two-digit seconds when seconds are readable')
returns 3,18,18
